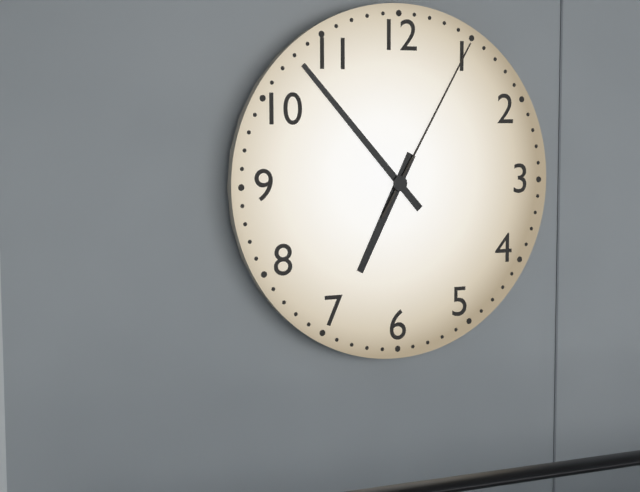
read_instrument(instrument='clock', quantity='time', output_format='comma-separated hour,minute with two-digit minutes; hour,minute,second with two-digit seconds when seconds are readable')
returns 6,53,05
